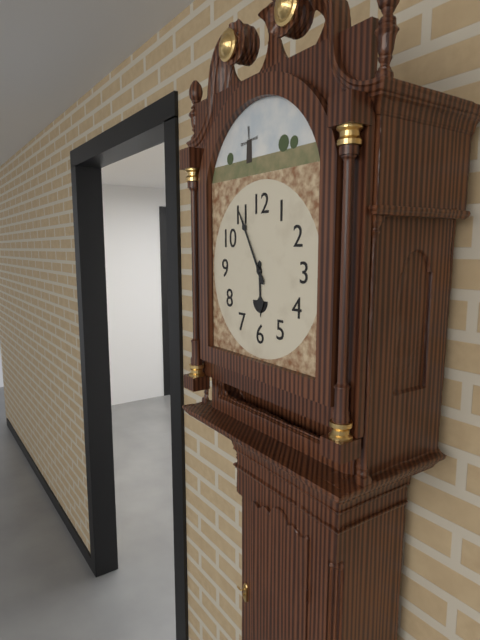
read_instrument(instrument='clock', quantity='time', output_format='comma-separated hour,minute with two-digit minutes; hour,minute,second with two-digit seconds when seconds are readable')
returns 5,55
